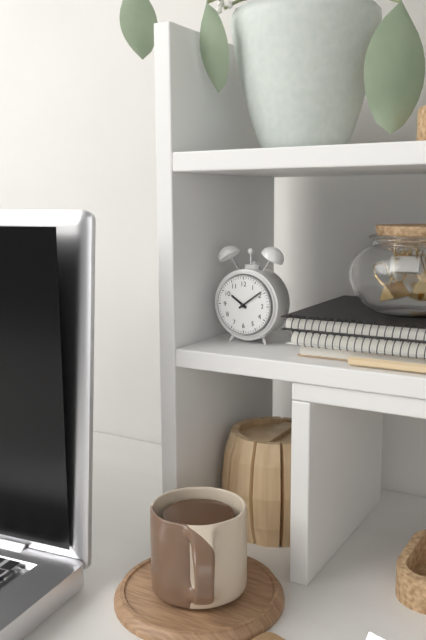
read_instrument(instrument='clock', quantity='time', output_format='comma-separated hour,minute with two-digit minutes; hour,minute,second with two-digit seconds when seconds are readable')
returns 10,09
